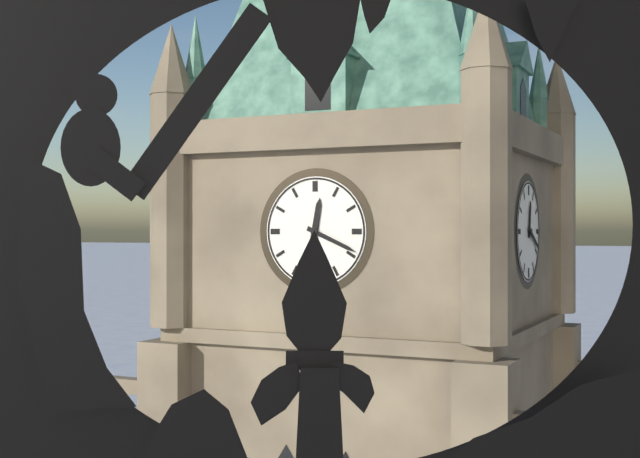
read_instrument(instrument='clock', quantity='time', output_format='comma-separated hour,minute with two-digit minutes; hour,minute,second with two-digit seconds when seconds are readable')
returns 12,19
